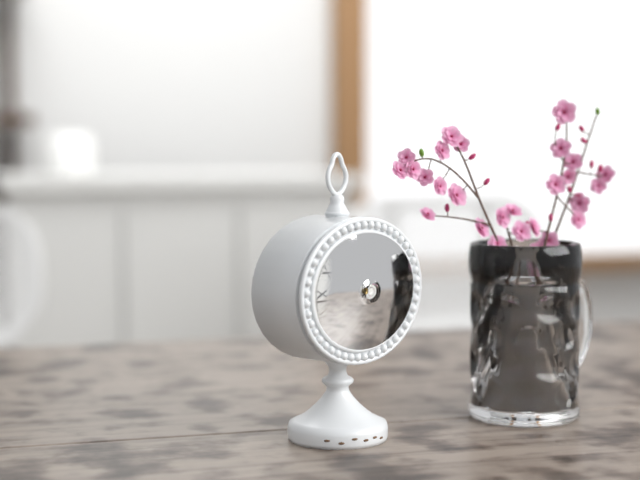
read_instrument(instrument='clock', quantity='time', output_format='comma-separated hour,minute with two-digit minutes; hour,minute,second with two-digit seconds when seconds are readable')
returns 5,37
